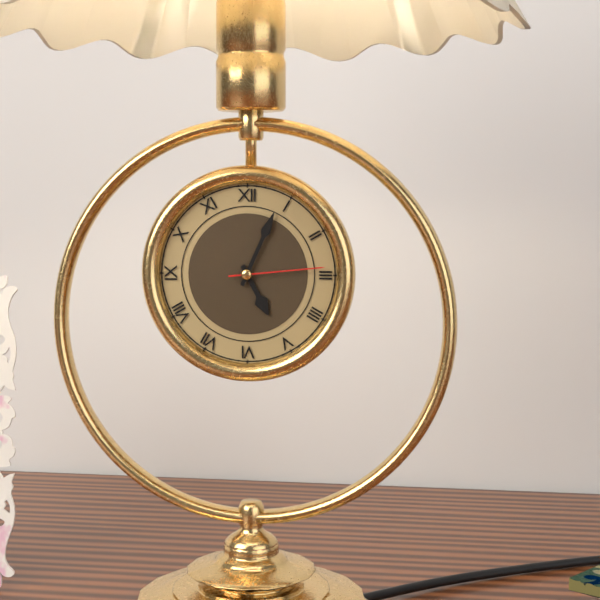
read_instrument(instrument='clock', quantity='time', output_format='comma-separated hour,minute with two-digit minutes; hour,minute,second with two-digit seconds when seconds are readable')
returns 5,04,14
